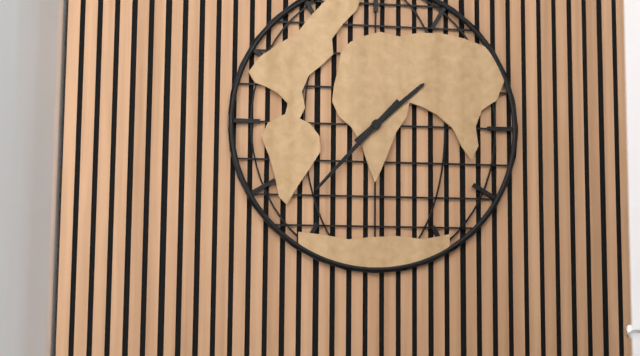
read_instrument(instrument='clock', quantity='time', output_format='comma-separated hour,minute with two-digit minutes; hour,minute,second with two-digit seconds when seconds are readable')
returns 1,37
